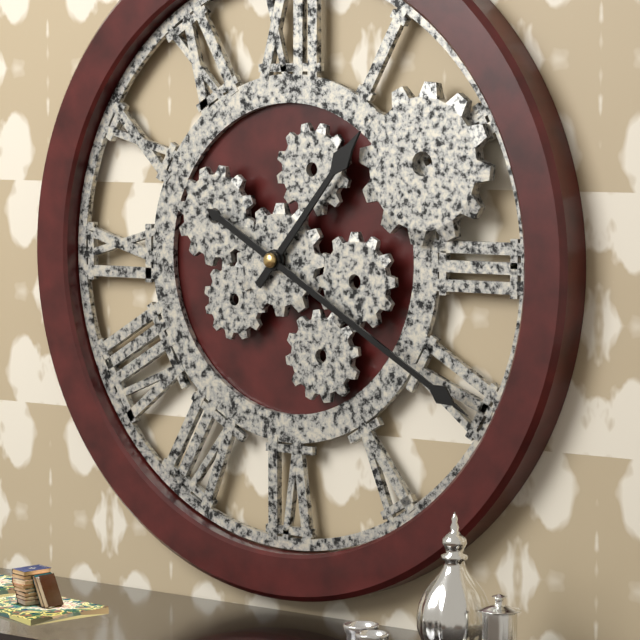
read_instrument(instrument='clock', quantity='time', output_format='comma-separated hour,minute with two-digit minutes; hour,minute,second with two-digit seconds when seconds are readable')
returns 1,20
